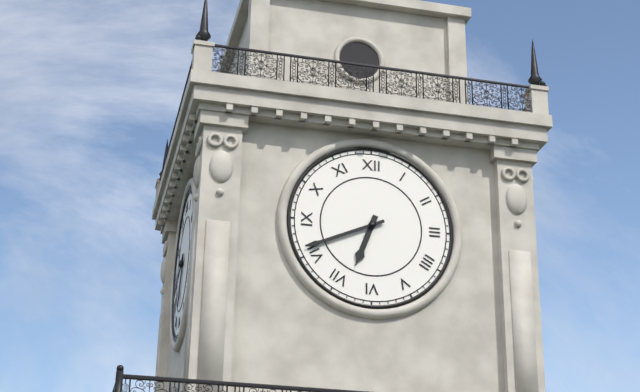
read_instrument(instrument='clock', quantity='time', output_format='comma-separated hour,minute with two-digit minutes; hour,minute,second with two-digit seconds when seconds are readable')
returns 6,41
